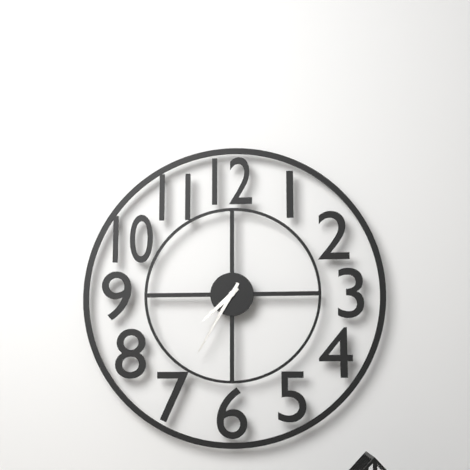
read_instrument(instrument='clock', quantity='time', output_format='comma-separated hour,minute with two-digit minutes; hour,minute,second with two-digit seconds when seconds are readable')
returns 7,35
